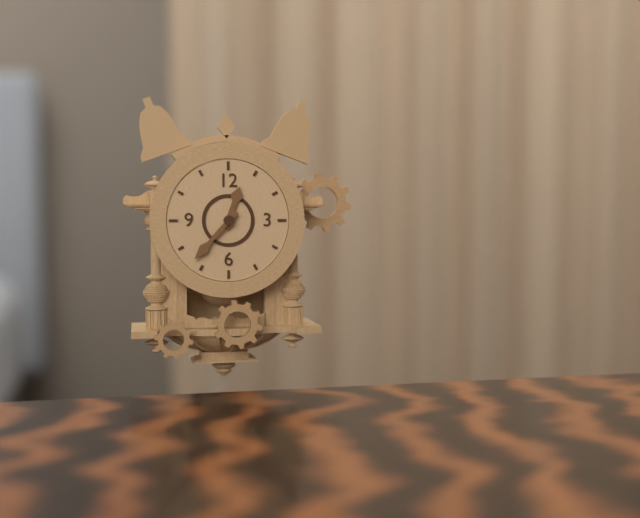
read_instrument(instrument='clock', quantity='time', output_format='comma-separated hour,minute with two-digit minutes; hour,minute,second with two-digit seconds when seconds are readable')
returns 12,37
